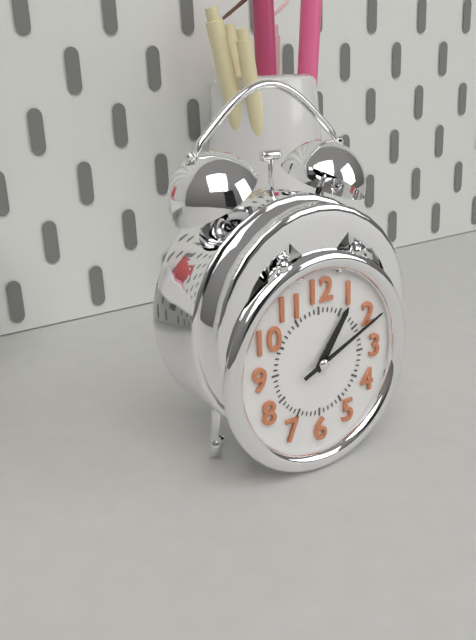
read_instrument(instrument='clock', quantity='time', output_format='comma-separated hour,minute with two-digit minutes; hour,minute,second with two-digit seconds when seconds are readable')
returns 1,11
